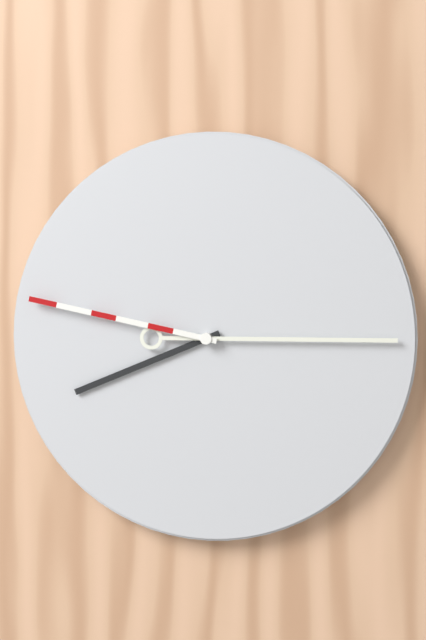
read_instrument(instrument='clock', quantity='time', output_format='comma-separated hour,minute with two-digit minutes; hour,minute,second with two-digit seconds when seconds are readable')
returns 8,15,47
